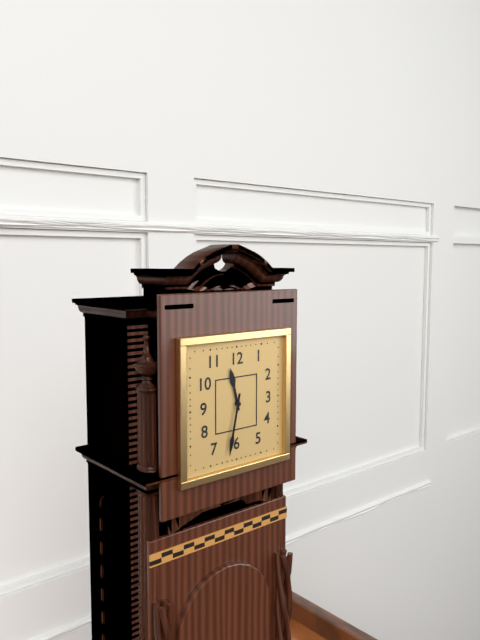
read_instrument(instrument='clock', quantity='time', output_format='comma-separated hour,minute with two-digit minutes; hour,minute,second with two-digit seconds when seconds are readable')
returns 11,32
